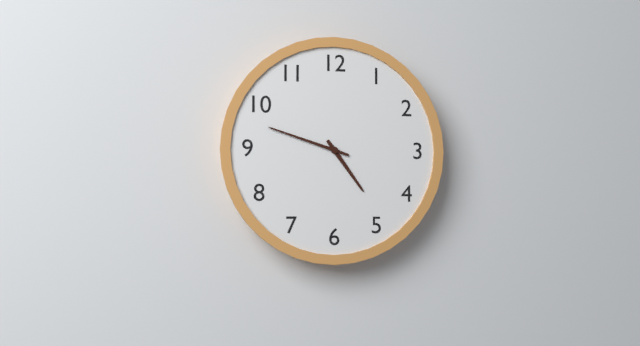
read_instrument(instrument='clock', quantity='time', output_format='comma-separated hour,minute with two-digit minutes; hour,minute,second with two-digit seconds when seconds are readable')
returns 4,48
